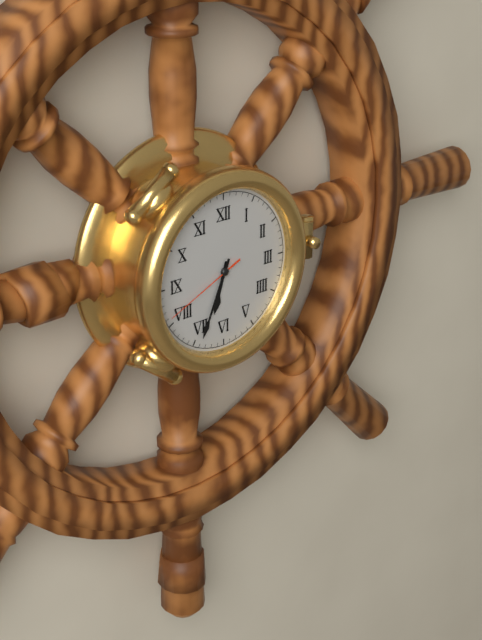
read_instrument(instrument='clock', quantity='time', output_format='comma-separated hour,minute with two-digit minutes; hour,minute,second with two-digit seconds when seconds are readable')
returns 6,34,41
